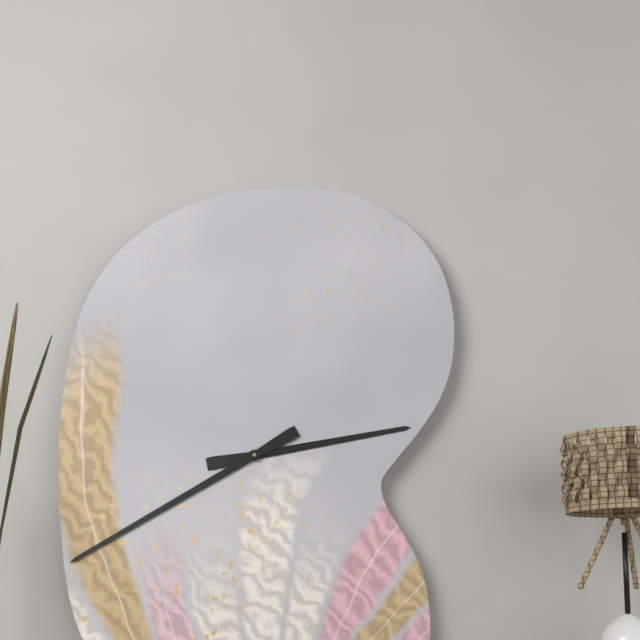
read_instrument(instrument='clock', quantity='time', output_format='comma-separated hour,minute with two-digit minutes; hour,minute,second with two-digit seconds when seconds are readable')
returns 2,40
